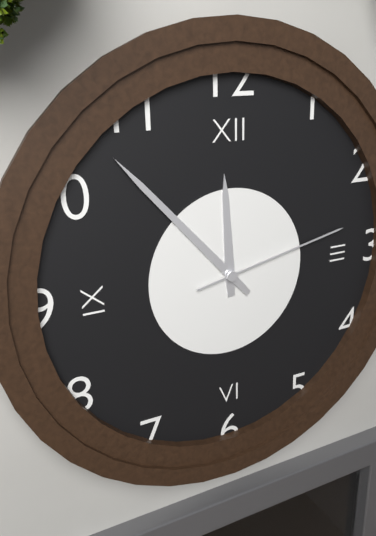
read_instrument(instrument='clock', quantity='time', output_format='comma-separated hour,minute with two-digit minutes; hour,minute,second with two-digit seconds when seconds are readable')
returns 11,53,13
